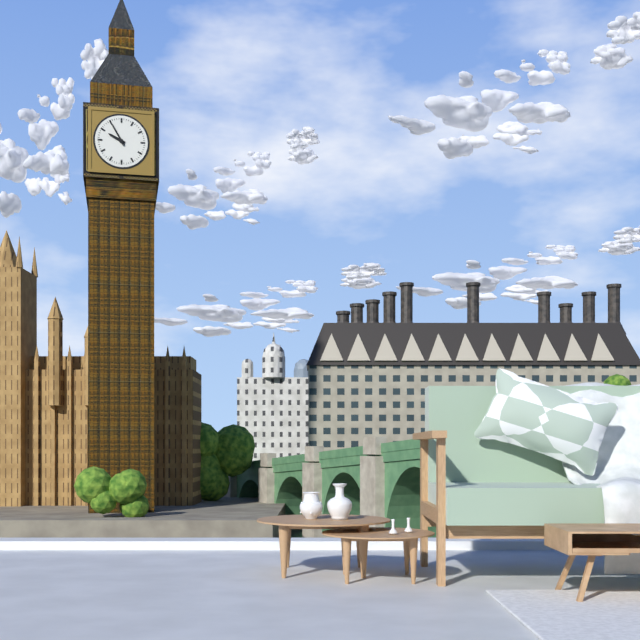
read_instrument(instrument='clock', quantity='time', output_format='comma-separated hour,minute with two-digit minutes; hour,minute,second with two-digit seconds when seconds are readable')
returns 9,55
